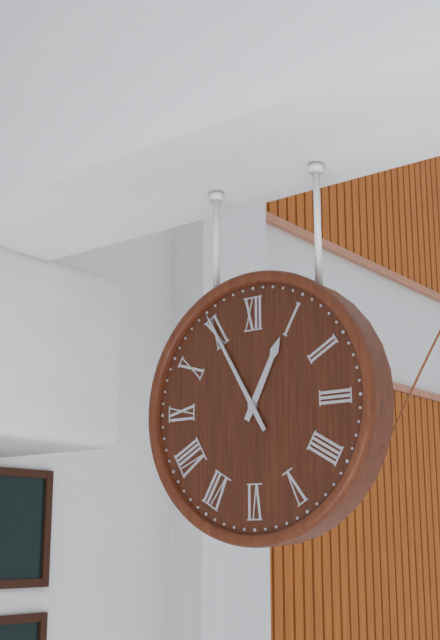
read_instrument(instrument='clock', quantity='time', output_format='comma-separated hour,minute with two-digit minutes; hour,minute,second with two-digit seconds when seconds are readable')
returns 12,55
